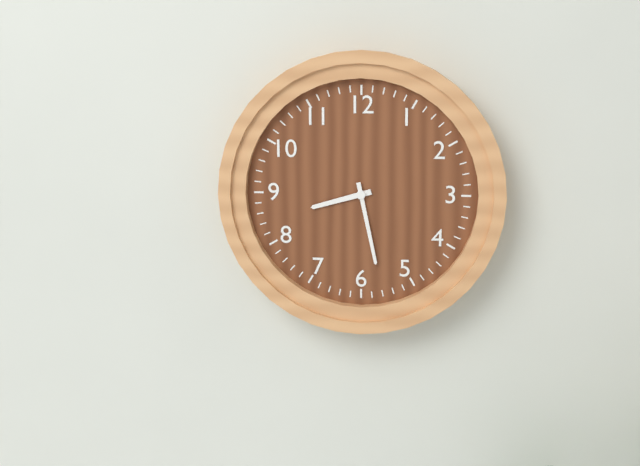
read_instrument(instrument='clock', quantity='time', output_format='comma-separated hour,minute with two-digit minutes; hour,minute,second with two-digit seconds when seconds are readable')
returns 8,28
